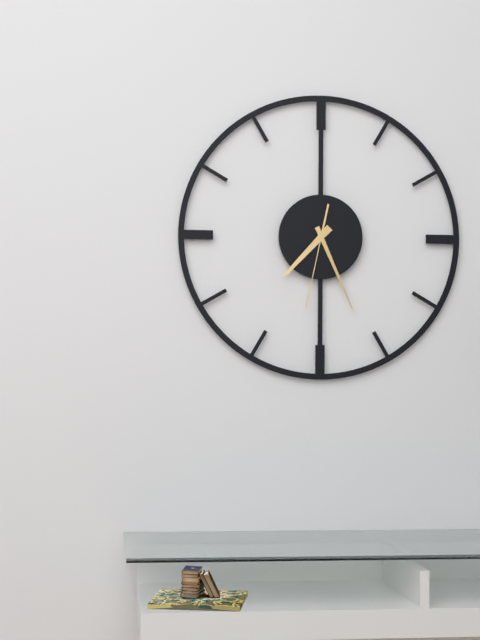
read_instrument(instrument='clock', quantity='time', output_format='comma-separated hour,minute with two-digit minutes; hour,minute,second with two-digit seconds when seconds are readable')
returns 7,26,32
